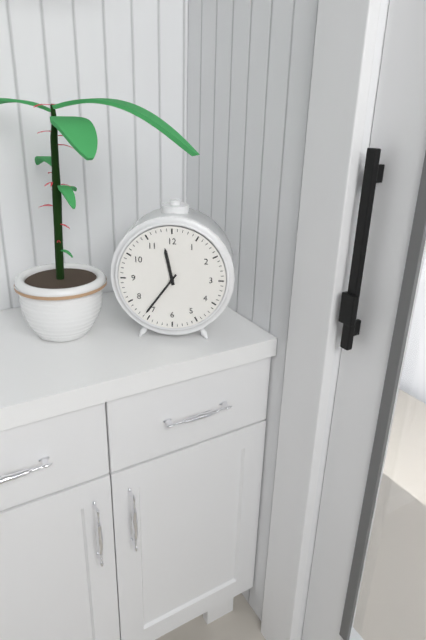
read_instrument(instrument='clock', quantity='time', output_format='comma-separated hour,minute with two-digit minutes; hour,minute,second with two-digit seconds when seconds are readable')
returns 11,36
